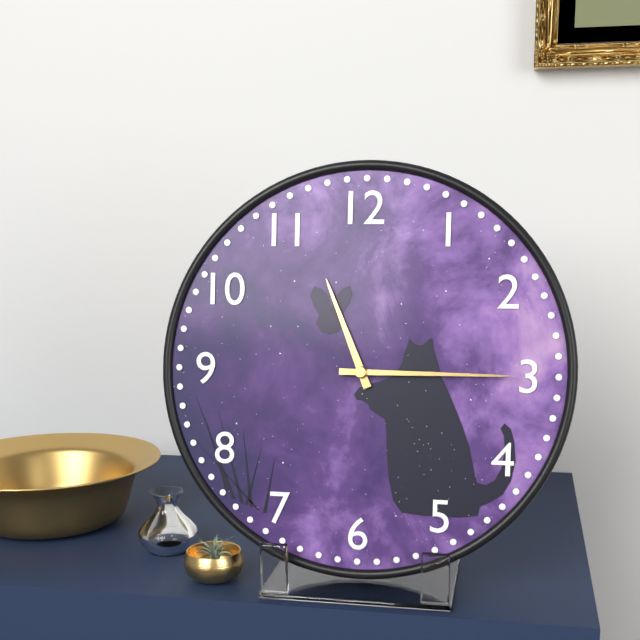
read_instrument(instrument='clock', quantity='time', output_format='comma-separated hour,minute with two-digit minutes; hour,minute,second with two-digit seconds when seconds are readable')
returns 11,15
